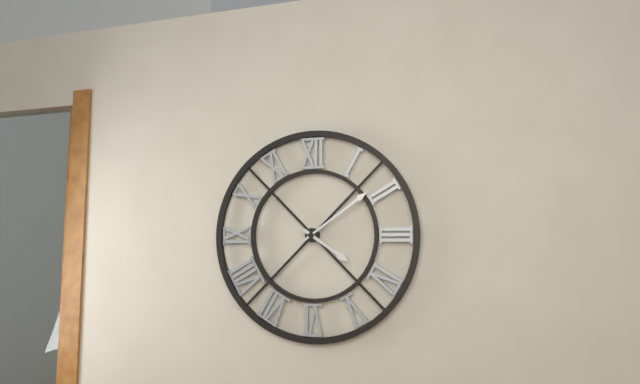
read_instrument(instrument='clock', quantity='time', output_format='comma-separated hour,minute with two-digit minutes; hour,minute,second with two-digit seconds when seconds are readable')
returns 4,09
